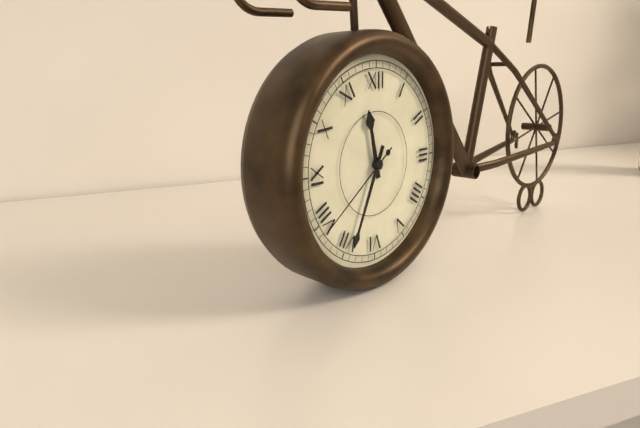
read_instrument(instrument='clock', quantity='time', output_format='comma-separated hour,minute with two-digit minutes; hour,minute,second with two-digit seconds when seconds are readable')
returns 11,34,39
